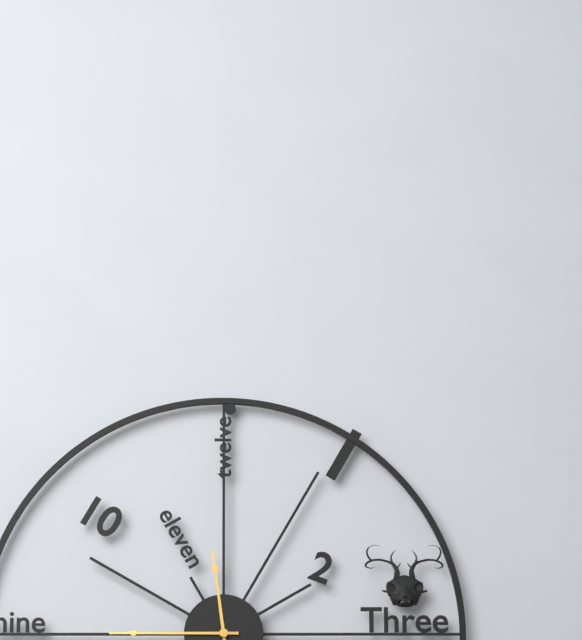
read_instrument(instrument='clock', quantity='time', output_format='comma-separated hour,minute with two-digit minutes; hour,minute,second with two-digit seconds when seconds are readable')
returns 11,45
